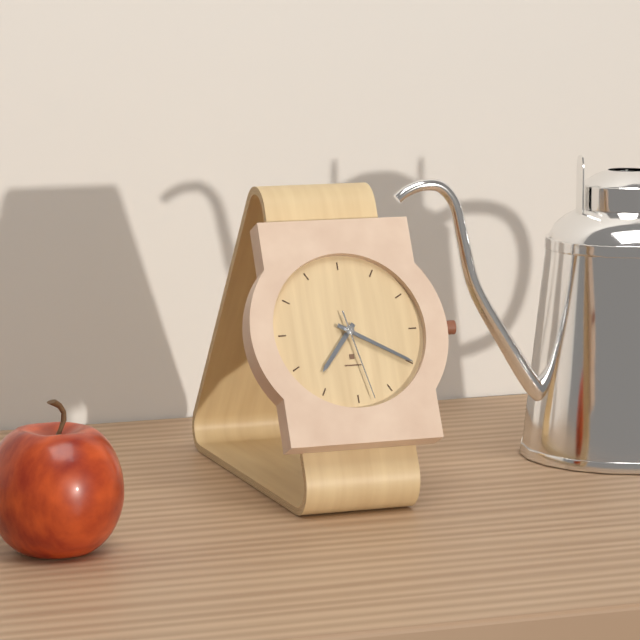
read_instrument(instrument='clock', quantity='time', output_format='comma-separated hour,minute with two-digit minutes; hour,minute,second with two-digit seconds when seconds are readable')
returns 7,20,28
